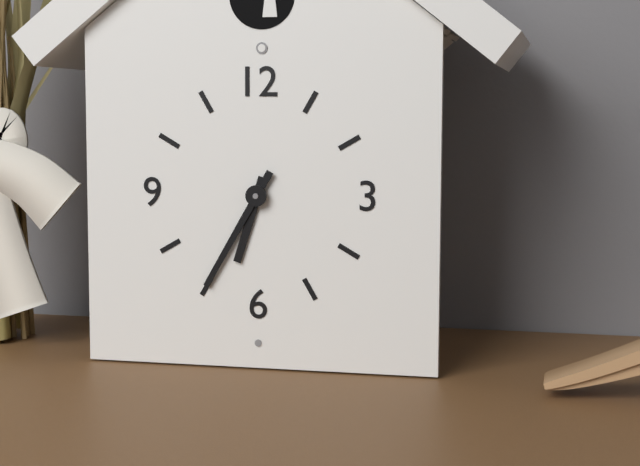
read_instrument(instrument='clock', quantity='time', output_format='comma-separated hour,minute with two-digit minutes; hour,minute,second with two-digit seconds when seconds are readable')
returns 6,35
